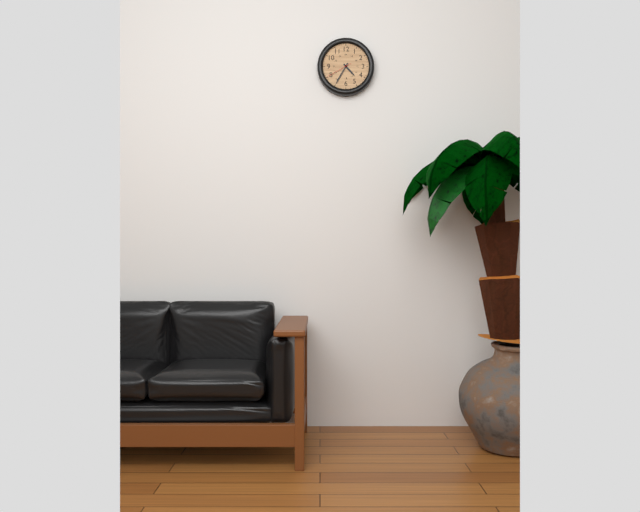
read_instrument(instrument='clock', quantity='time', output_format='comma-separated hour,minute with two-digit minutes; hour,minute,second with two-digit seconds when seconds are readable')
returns 4,35
